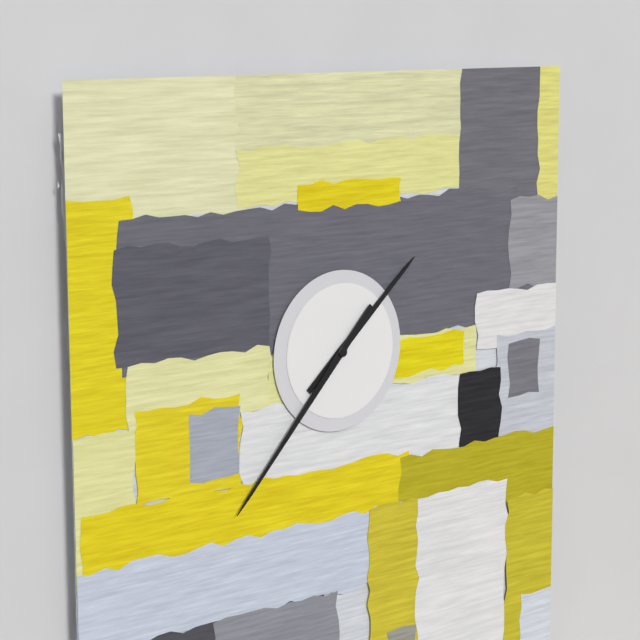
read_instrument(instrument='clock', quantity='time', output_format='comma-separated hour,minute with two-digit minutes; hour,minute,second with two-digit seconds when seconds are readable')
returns 1,37
